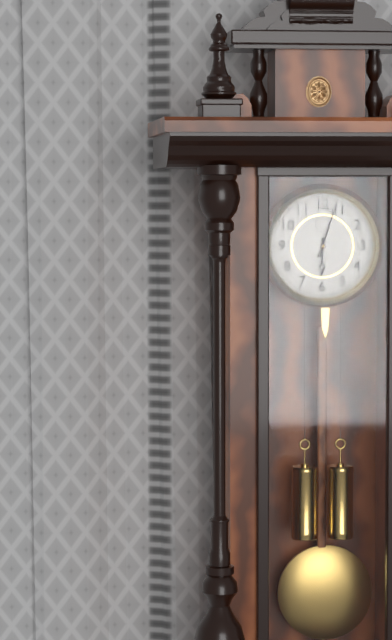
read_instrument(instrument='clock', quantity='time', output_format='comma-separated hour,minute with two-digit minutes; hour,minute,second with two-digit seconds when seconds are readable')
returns 6,03
